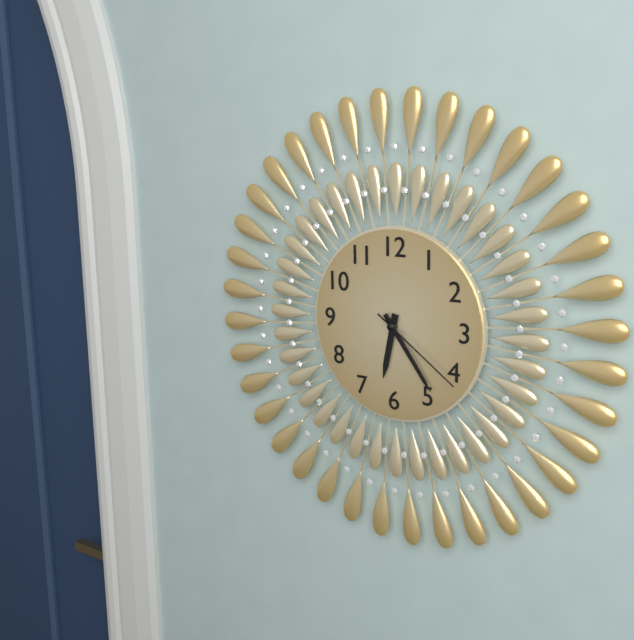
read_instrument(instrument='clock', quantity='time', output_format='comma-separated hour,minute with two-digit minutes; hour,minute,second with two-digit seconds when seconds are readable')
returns 6,24,21
